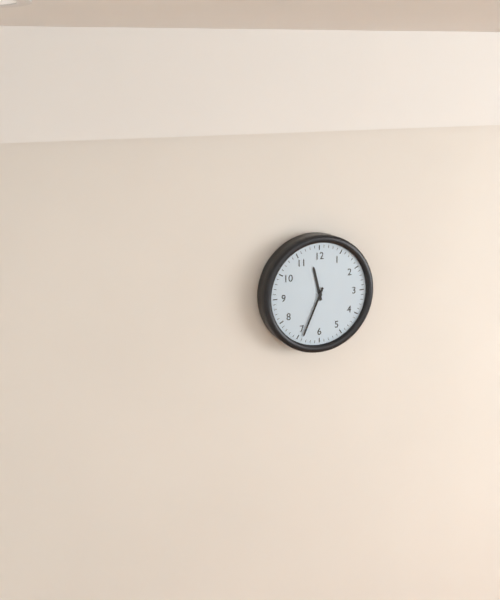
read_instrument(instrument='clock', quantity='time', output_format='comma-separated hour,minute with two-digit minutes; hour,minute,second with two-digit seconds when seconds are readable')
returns 11,34
